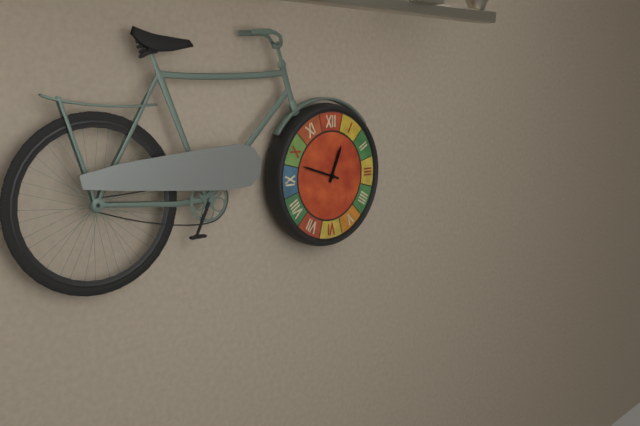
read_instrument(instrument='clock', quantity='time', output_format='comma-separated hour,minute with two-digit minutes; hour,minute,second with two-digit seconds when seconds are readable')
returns 12,48
